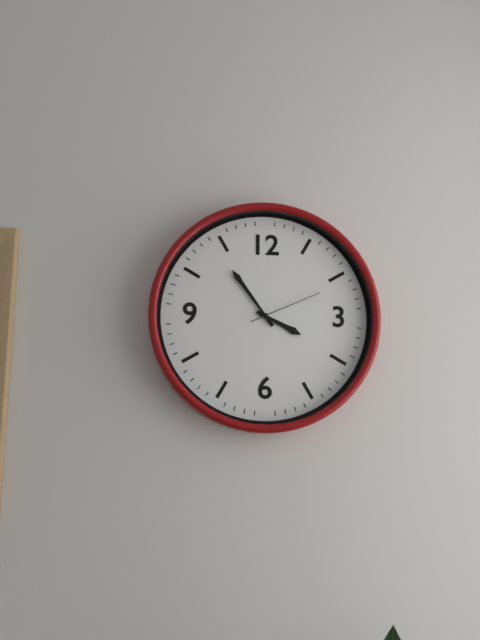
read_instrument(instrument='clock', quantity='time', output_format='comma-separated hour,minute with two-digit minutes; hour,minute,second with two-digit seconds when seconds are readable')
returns 3,54,11
